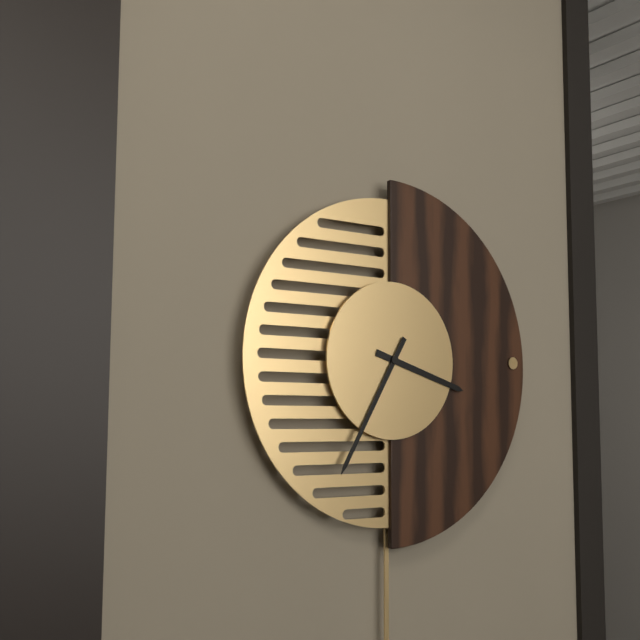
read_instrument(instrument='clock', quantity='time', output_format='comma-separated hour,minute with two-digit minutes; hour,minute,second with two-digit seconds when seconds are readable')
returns 3,35
